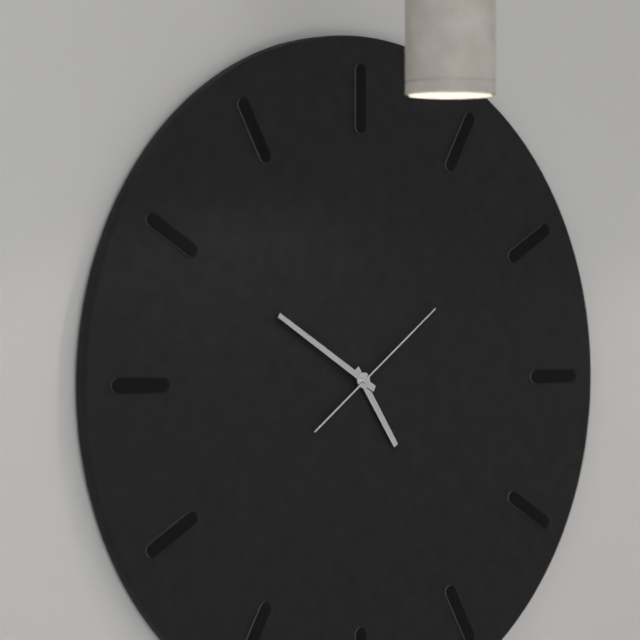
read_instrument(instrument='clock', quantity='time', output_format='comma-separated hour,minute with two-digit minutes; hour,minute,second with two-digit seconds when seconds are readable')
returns 4,50,09
